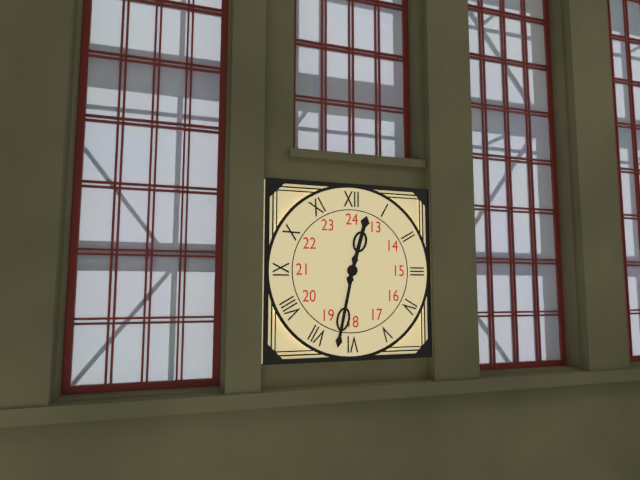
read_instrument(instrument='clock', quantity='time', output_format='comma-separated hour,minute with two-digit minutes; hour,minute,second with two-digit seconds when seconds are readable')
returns 12,32
